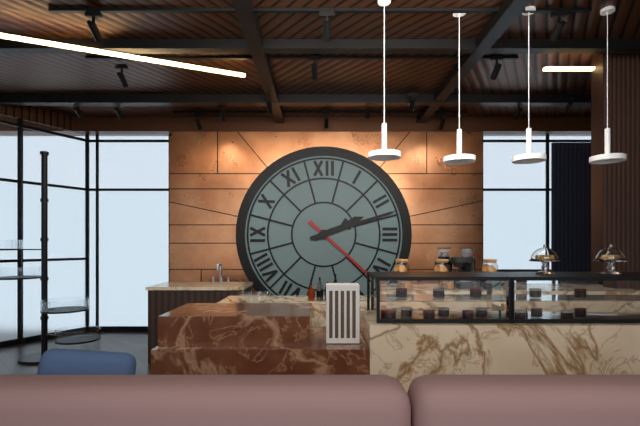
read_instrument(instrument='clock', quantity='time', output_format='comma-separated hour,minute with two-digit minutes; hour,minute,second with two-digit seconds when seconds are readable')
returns 2,12,22
